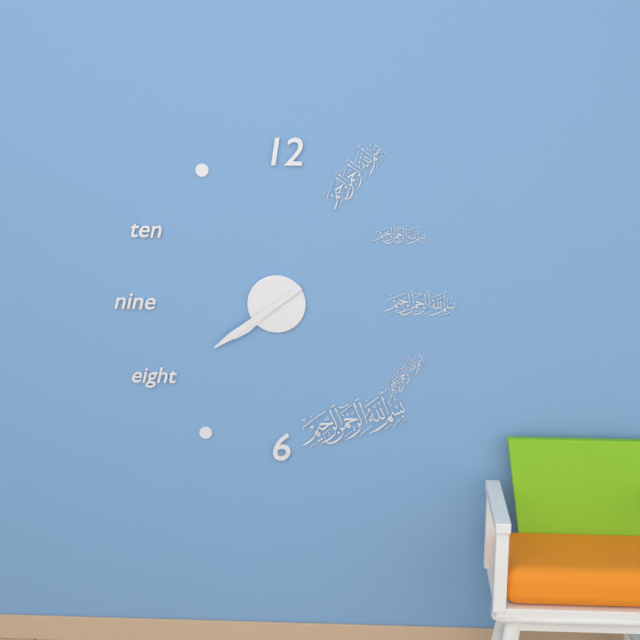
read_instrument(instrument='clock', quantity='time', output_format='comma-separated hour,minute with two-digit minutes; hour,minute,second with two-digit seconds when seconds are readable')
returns 7,39
